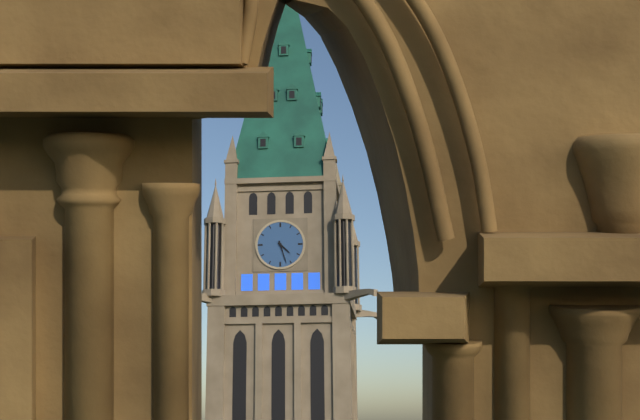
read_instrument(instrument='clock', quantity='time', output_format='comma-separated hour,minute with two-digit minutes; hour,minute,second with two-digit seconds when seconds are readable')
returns 4,27
